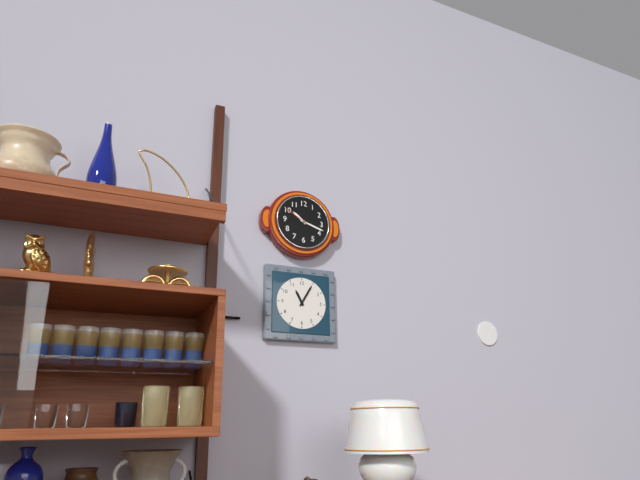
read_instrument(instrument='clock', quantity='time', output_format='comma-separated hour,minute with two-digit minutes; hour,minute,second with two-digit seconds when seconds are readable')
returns 10,18
